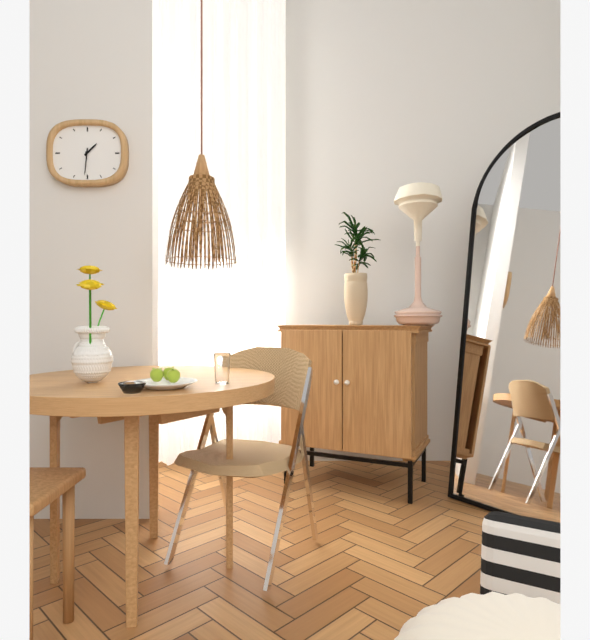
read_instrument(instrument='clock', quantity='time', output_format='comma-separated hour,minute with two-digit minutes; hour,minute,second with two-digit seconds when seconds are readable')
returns 1,31
